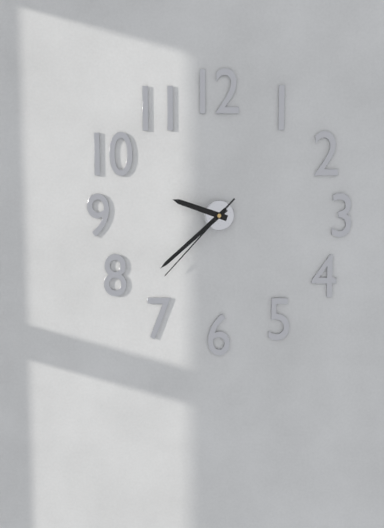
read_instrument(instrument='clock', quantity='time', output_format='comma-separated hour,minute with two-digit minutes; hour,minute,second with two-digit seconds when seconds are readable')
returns 9,38,37
